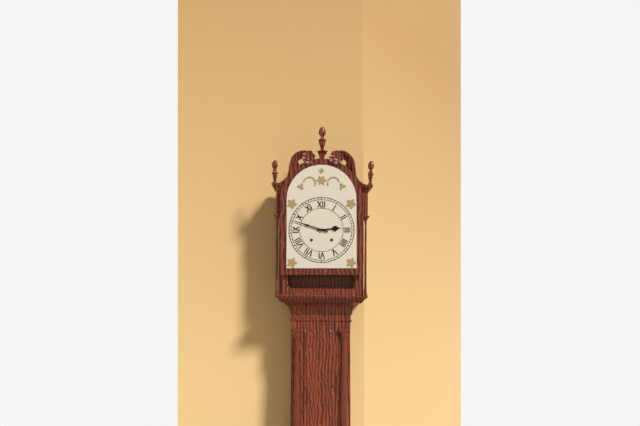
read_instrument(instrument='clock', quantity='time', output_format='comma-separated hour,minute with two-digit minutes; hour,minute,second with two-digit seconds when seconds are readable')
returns 2,48
